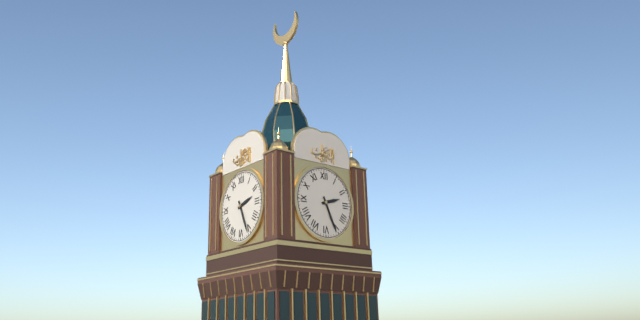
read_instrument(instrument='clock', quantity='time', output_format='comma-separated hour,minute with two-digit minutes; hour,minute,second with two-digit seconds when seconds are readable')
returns 2,26
